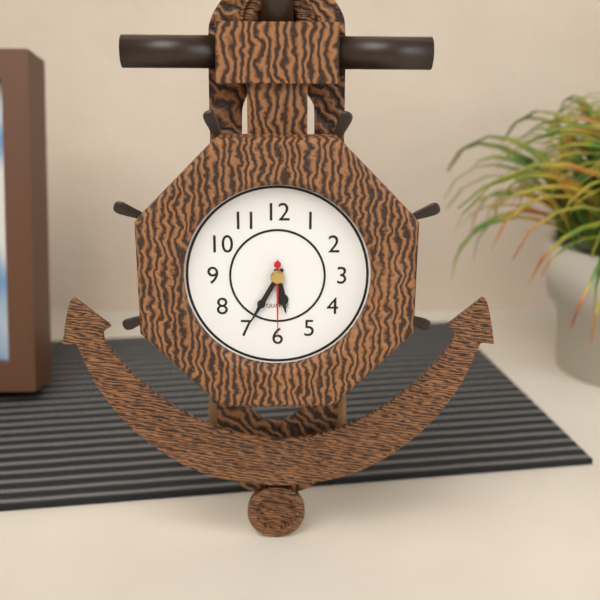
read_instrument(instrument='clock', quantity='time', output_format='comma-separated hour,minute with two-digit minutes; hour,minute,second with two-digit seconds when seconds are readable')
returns 5,35,30
